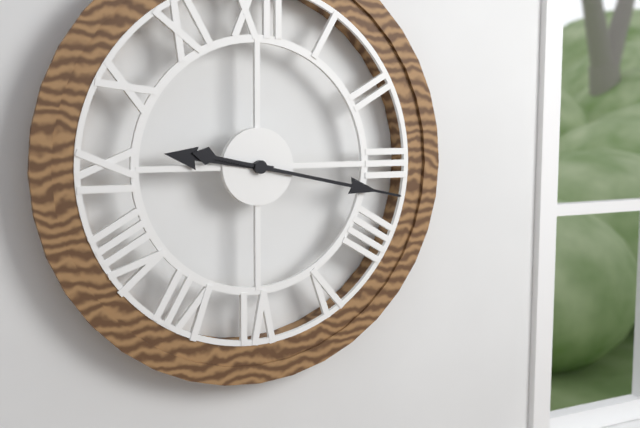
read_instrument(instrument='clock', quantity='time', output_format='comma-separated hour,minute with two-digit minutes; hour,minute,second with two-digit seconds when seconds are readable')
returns 9,17
